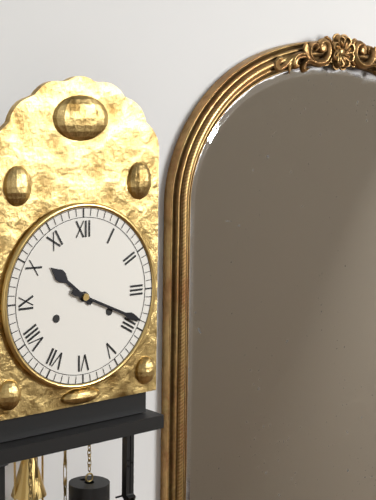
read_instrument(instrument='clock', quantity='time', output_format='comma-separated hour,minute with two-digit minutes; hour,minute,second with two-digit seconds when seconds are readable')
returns 10,19
